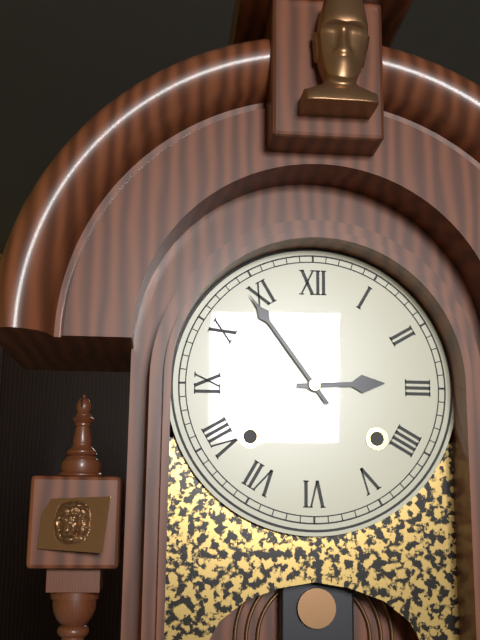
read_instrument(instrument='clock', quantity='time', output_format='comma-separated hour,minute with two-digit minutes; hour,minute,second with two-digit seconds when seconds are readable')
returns 2,54
